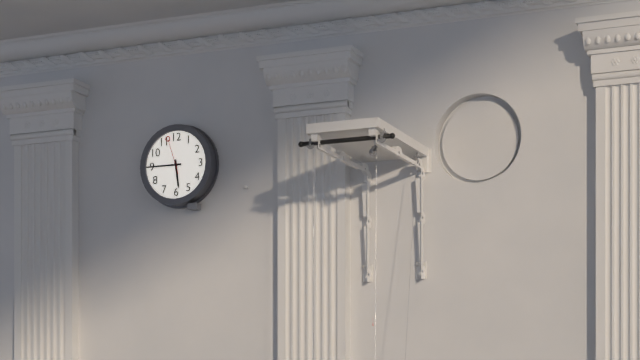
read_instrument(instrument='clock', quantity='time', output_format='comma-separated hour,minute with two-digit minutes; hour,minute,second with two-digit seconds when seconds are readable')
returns 5,45
